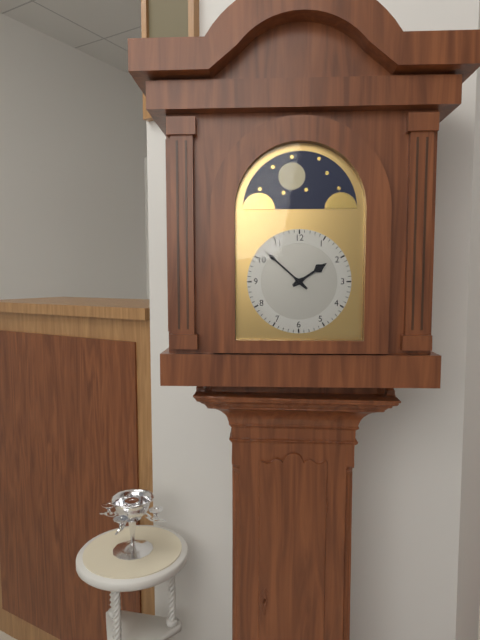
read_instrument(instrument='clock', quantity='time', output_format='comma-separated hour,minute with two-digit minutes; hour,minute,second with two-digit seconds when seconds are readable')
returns 1,52
